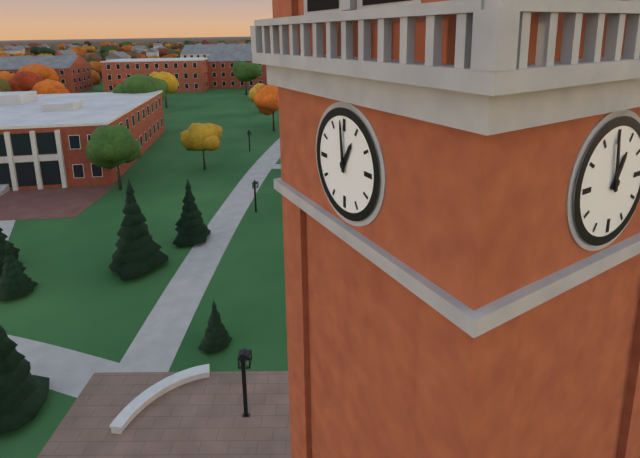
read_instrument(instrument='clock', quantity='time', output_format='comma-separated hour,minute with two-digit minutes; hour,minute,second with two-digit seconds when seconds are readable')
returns 12,59
